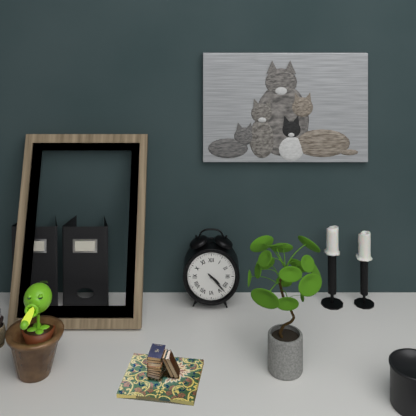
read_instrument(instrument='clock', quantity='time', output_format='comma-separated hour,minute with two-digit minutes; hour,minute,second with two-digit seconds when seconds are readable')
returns 4,23
